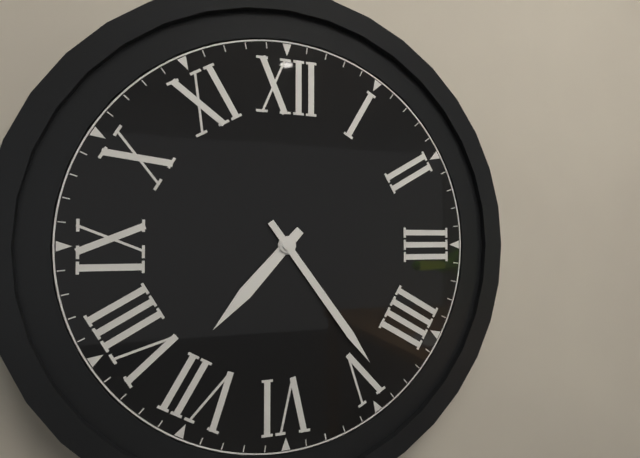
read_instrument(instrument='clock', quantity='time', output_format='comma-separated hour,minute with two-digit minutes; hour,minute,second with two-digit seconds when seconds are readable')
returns 7,24
